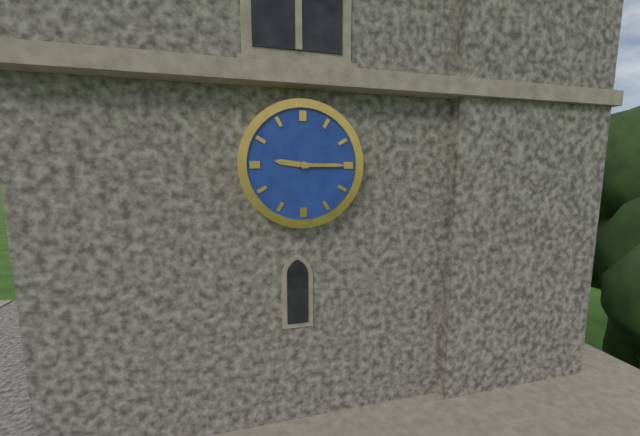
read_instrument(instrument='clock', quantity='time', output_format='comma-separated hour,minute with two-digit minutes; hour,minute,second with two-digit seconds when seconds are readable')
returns 9,15
